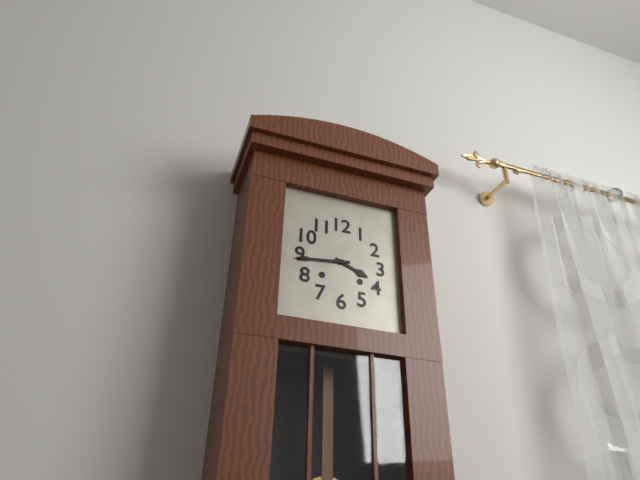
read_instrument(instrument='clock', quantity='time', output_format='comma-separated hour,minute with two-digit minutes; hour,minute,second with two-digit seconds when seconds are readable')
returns 3,44
